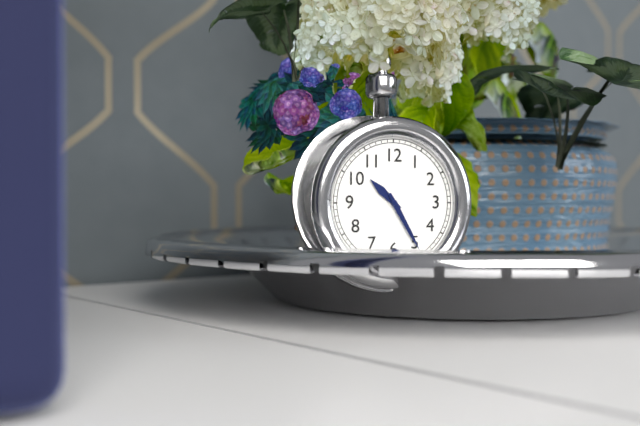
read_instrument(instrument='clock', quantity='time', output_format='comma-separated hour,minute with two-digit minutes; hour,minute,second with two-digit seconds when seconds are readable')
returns 10,25
